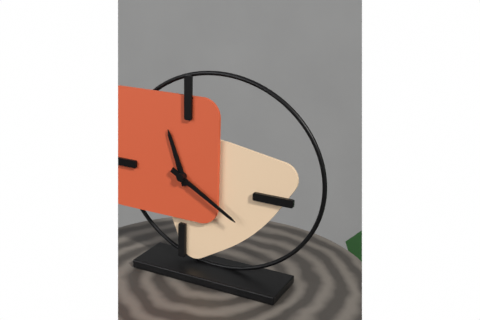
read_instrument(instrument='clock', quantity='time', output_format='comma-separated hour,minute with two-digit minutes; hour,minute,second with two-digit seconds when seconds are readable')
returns 11,20
